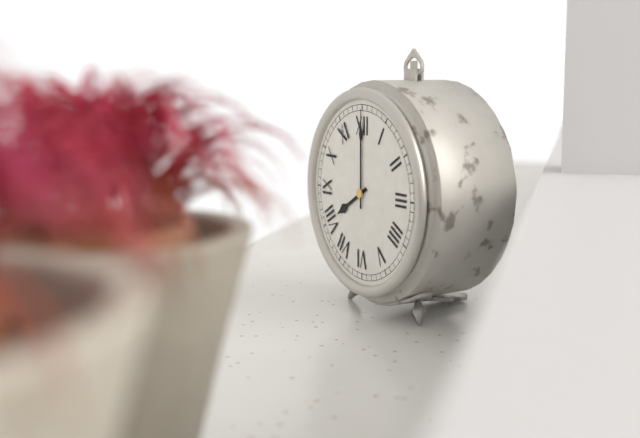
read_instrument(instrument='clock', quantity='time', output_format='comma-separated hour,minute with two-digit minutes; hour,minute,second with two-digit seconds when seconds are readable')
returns 8,00
